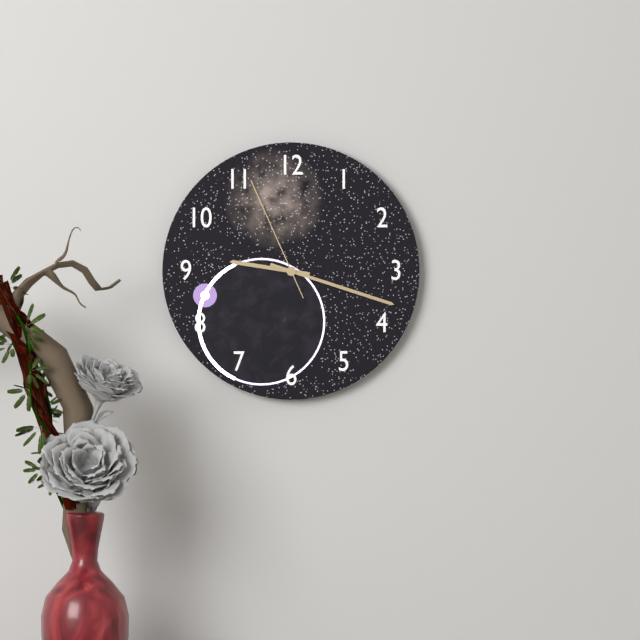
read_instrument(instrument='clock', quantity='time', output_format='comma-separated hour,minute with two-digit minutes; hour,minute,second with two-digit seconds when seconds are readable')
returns 9,18,56
